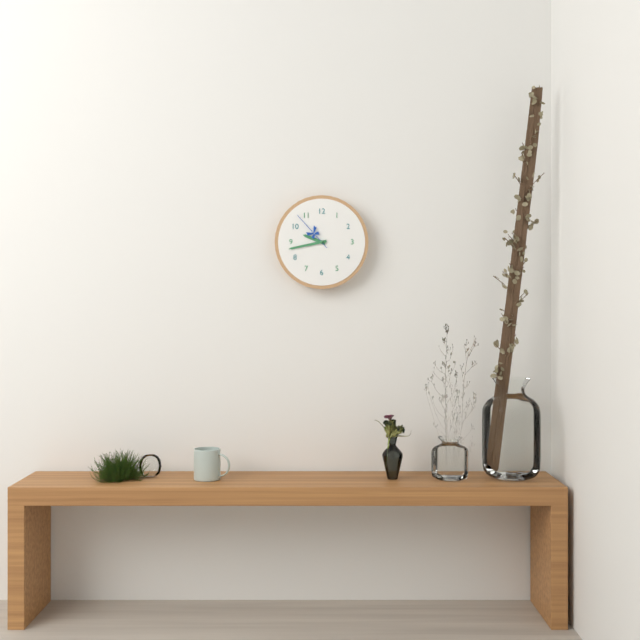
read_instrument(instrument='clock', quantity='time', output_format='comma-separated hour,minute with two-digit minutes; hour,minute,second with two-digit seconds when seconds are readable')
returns 9,43
